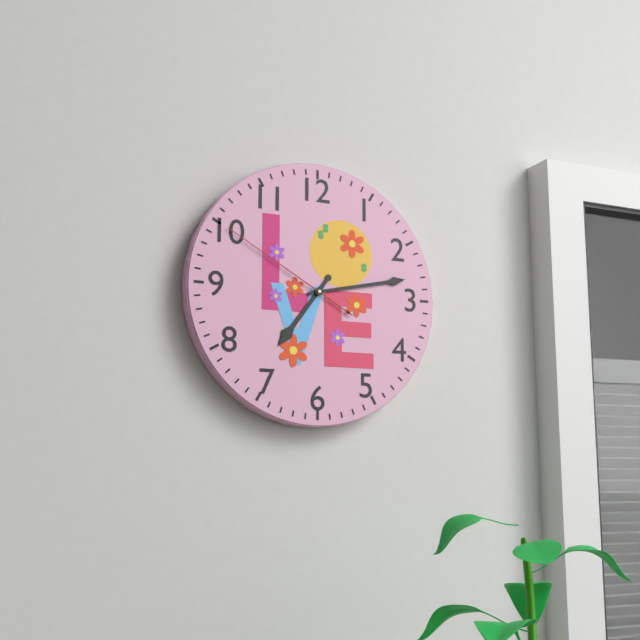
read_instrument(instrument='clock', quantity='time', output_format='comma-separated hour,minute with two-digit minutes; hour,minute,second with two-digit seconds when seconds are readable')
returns 7,13,50
